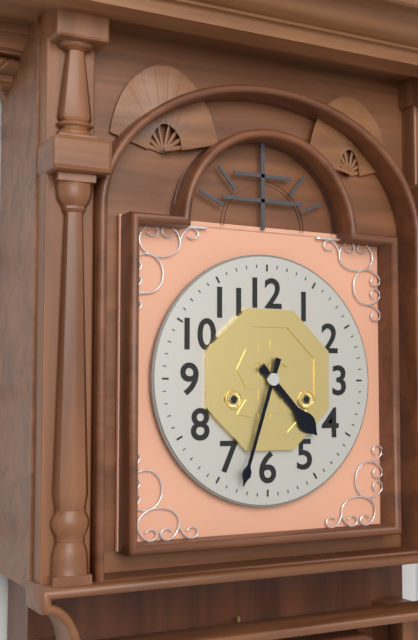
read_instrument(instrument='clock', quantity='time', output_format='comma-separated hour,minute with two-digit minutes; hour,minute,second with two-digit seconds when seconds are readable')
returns 4,33
